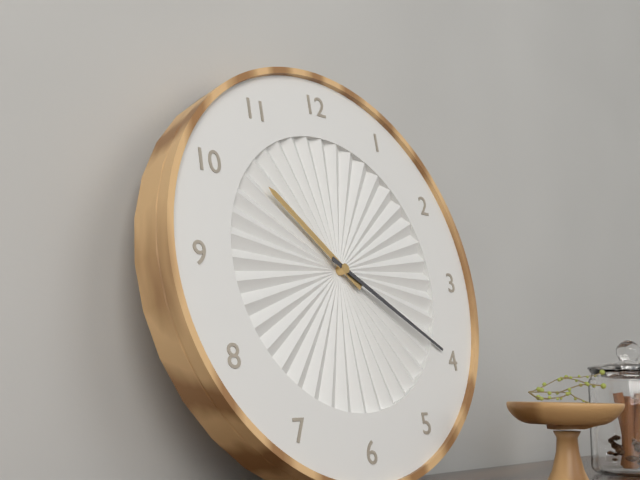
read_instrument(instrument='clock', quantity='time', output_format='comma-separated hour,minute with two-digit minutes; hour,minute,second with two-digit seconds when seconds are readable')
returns 10,20
